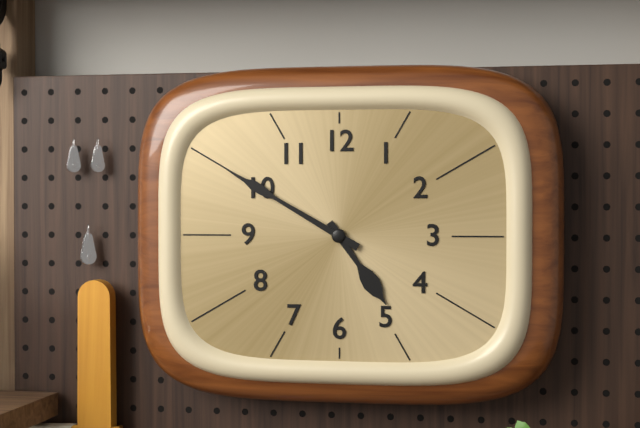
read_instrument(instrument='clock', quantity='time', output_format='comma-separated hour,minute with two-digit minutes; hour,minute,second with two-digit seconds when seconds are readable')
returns 4,50
